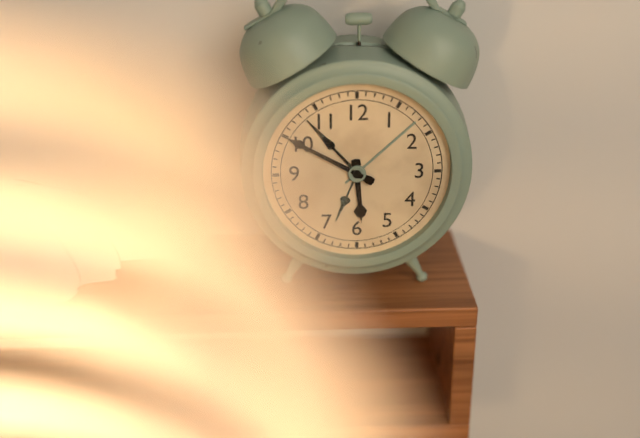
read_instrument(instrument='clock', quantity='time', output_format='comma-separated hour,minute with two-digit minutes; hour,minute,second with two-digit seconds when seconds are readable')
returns 5,50
